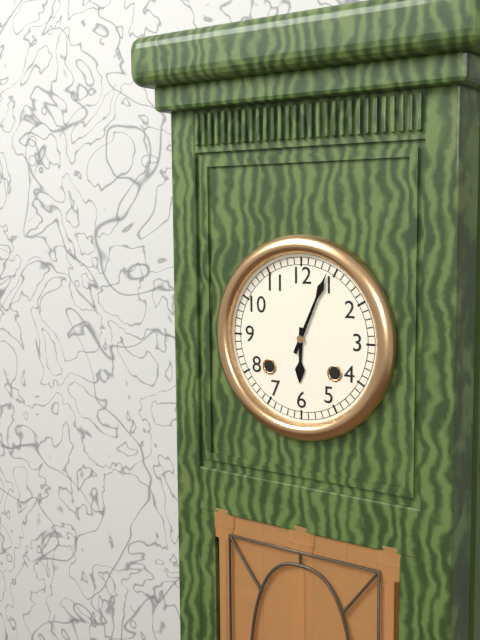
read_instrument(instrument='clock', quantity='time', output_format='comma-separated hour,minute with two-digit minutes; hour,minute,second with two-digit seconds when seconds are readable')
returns 6,04
